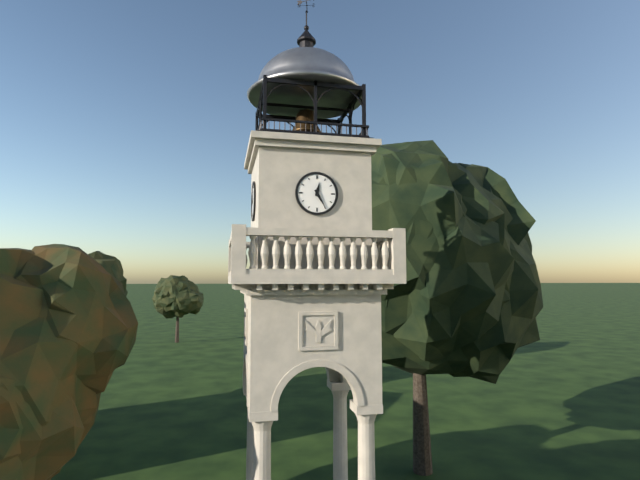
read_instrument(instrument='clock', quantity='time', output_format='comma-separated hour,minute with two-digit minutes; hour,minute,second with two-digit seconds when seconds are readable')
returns 12,25
